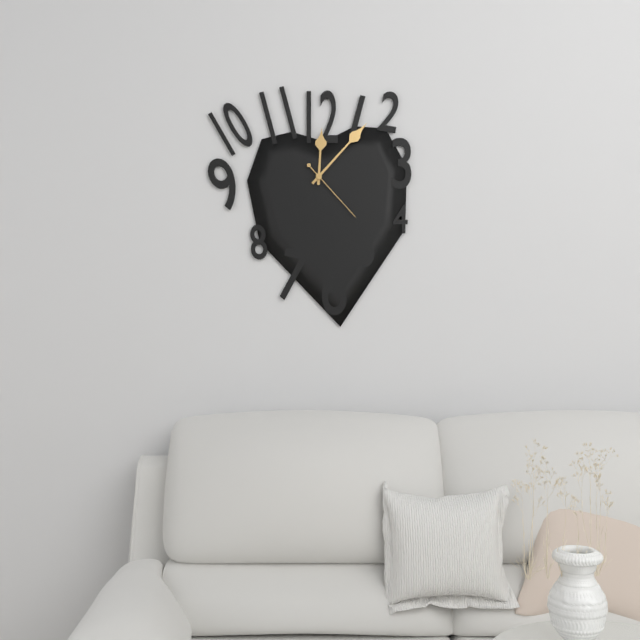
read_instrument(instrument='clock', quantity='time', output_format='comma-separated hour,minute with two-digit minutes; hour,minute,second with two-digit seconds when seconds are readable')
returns 12,07,23
